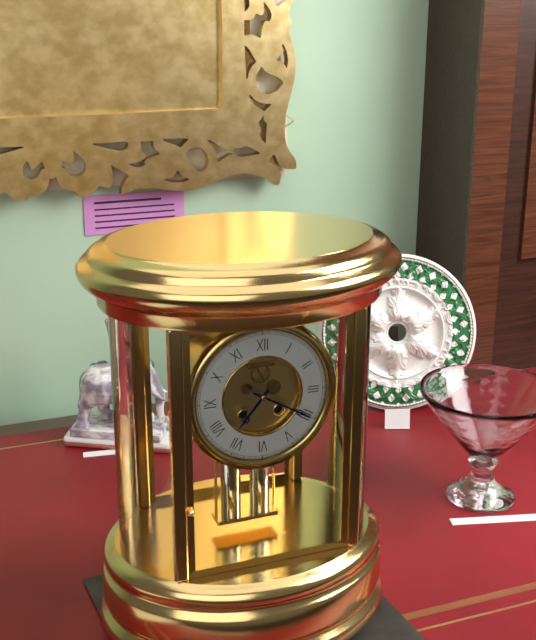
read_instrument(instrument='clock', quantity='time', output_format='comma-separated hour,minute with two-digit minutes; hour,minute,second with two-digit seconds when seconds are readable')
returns 7,20
